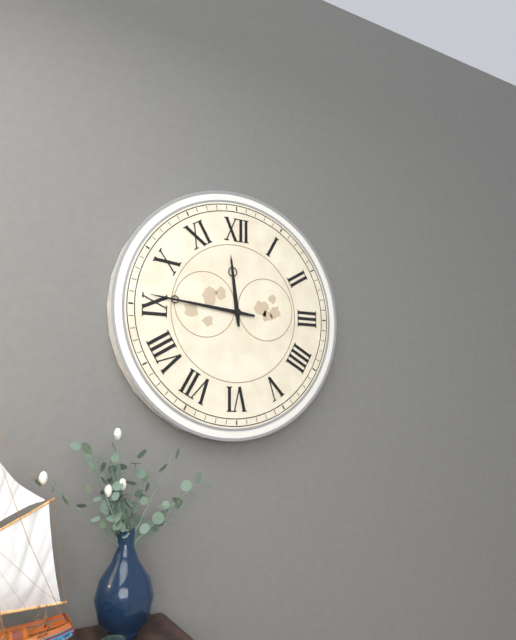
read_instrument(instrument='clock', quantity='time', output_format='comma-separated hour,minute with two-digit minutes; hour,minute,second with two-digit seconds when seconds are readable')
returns 11,46
